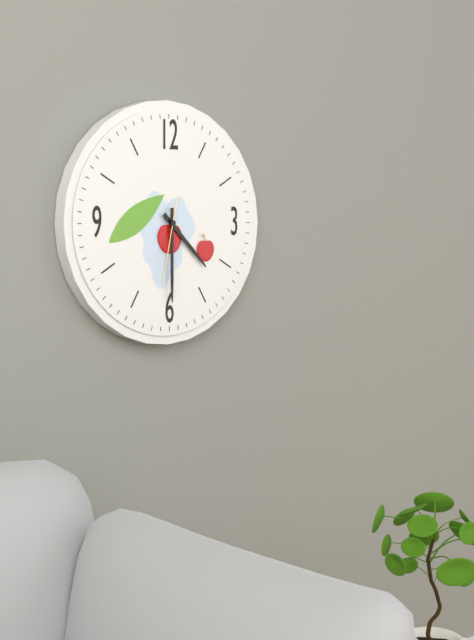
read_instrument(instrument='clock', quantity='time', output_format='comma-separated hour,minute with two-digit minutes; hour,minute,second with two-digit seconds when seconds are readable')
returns 4,30,32
